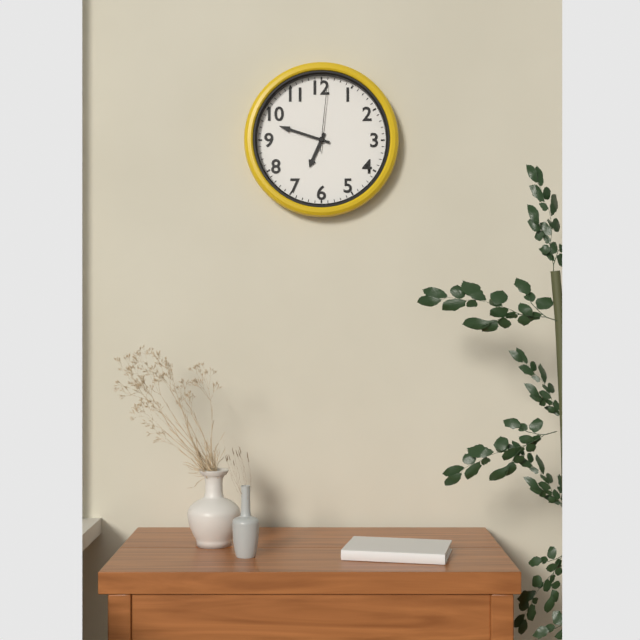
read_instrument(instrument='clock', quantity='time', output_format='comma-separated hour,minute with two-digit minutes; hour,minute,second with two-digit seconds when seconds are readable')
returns 6,48,01
